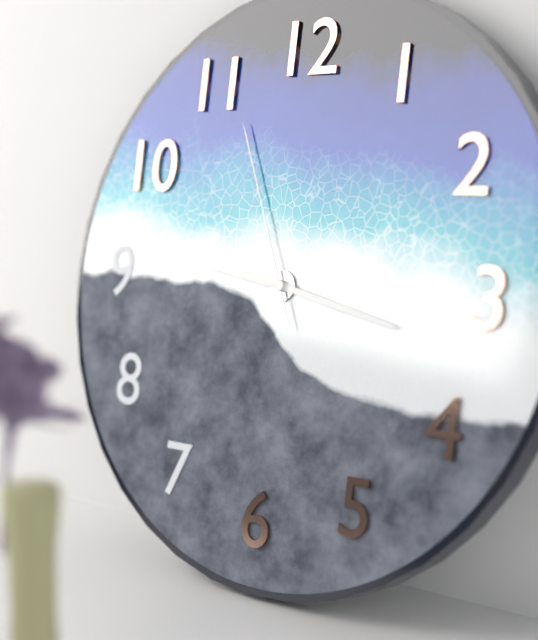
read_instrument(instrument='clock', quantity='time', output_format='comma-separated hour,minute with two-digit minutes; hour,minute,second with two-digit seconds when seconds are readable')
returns 9,17,56
